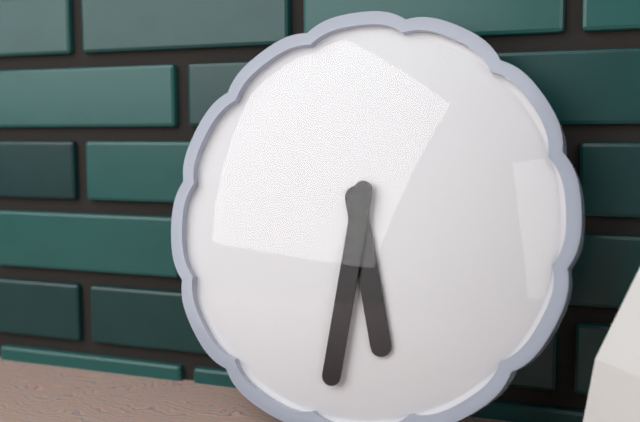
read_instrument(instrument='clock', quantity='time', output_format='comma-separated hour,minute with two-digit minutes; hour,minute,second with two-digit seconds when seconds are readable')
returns 5,31
